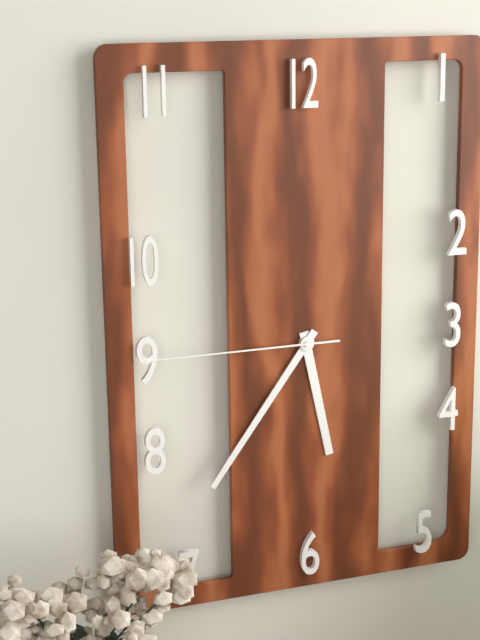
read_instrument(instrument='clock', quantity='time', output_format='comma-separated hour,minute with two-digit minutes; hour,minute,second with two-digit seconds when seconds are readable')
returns 5,36,45
